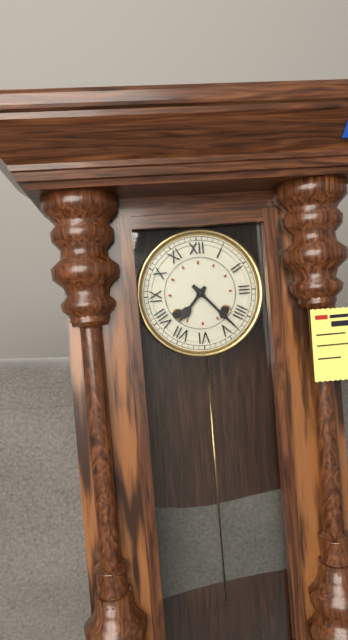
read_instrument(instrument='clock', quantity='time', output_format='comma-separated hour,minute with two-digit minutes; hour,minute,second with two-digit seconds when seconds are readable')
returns 7,23
